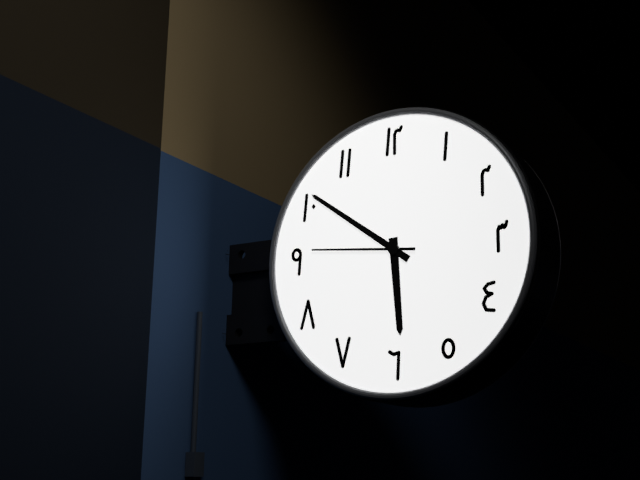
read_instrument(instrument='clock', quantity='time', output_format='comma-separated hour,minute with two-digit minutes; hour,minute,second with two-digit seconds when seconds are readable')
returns 5,51,46
